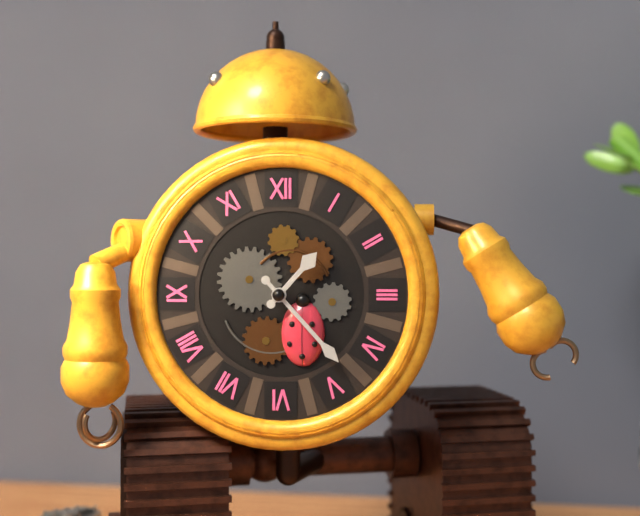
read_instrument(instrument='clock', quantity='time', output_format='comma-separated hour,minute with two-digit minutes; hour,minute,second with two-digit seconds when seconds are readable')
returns 1,23
